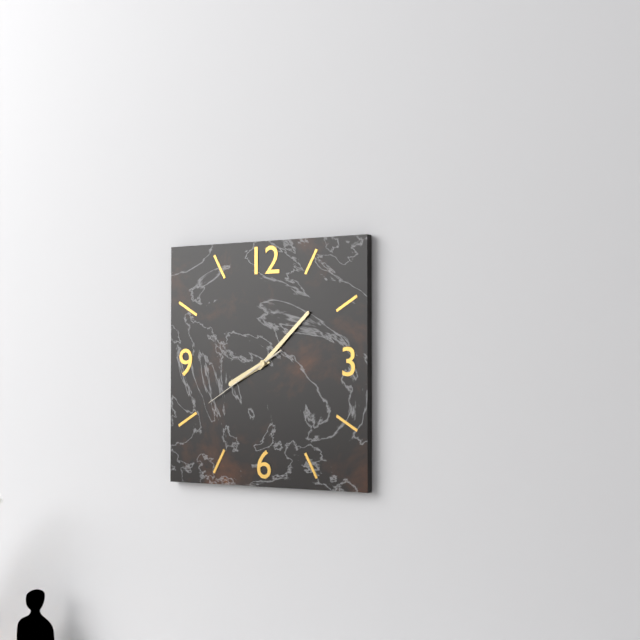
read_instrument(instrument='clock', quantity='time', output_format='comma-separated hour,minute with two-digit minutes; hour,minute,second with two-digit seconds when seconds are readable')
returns 8,08,40
